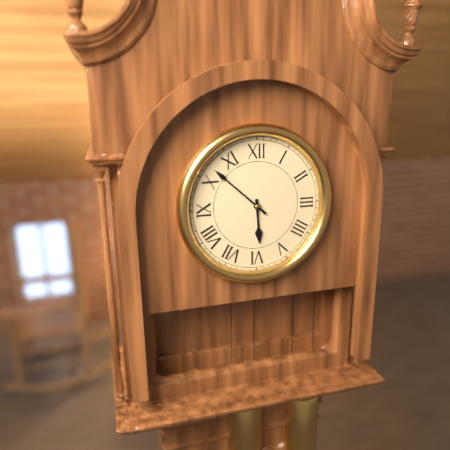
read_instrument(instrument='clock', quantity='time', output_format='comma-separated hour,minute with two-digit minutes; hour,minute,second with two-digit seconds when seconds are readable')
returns 5,52
